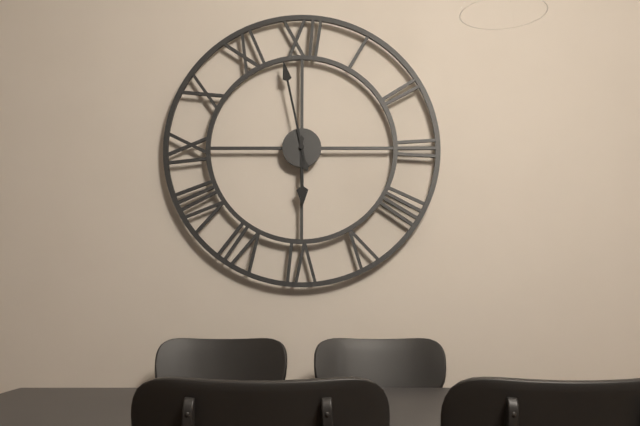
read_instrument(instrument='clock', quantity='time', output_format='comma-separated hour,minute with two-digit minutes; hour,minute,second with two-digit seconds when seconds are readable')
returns 5,58
